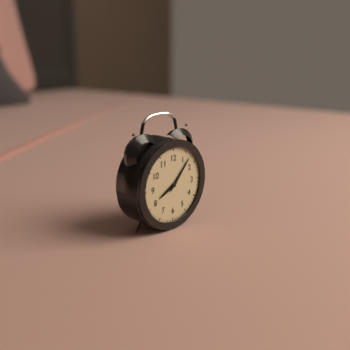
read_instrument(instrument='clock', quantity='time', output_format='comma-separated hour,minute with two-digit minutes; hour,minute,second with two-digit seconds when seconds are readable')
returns 8,07
